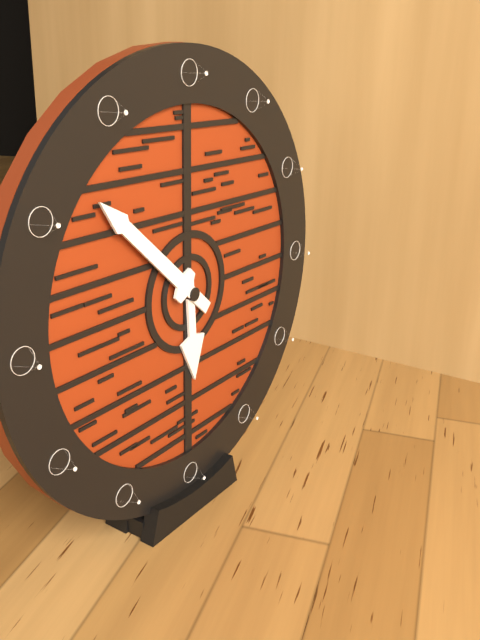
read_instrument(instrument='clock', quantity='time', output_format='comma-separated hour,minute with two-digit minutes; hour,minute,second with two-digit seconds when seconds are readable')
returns 5,52
